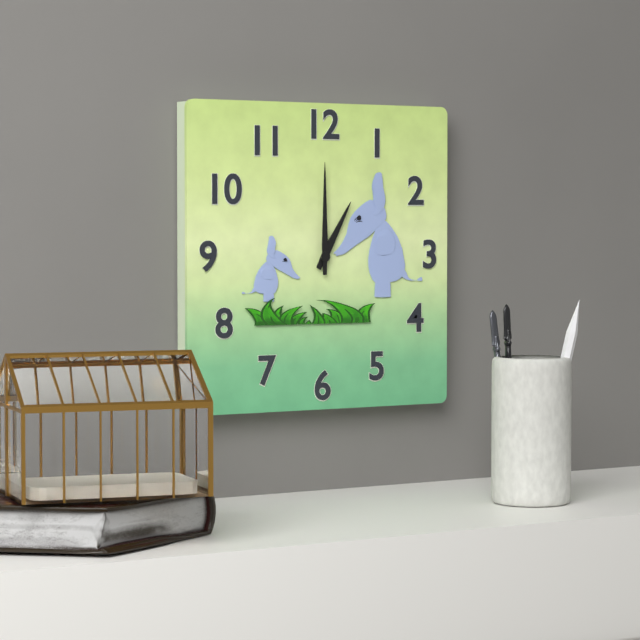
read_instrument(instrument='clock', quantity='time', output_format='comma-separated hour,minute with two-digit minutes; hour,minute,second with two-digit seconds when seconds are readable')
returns 1,00
